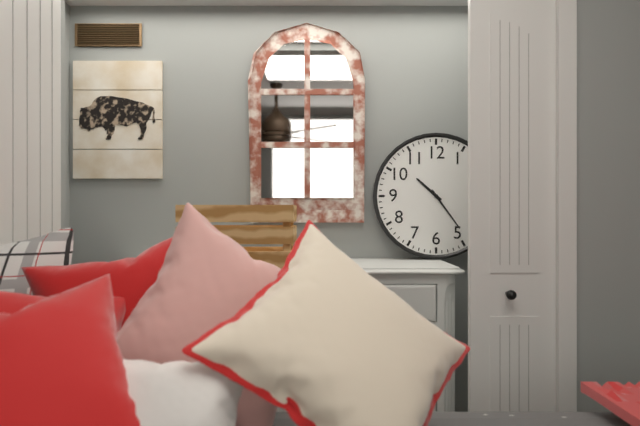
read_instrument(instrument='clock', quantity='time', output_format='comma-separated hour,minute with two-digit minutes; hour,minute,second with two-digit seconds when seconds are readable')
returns 10,24
